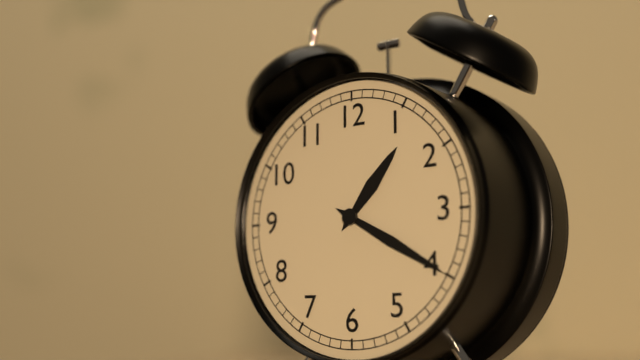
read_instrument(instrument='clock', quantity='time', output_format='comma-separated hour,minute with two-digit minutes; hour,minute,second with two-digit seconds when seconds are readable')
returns 1,20
